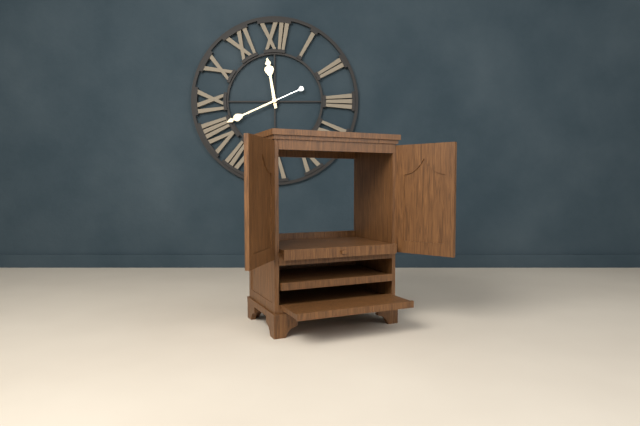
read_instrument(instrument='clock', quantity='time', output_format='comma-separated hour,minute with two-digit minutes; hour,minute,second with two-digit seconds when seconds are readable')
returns 11,41
